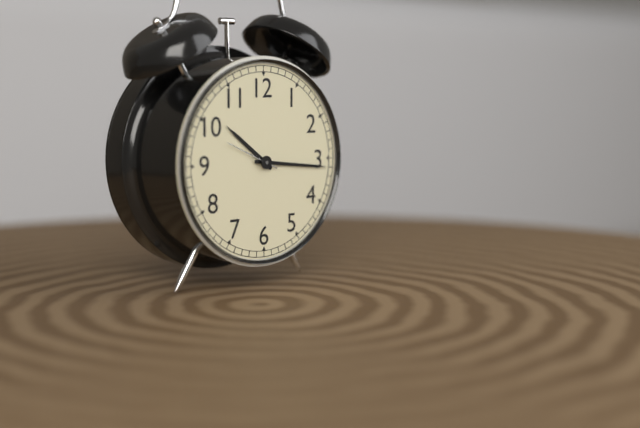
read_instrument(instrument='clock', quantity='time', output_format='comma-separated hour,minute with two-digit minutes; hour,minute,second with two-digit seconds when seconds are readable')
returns 10,16,49
